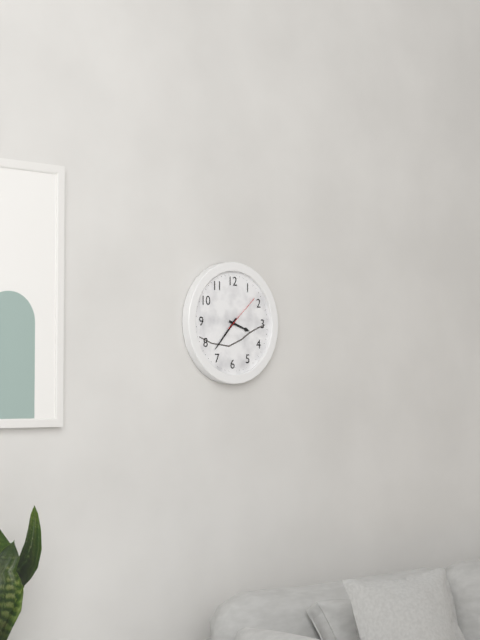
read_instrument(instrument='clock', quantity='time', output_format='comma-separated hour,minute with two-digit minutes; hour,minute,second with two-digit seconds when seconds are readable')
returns 3,37
